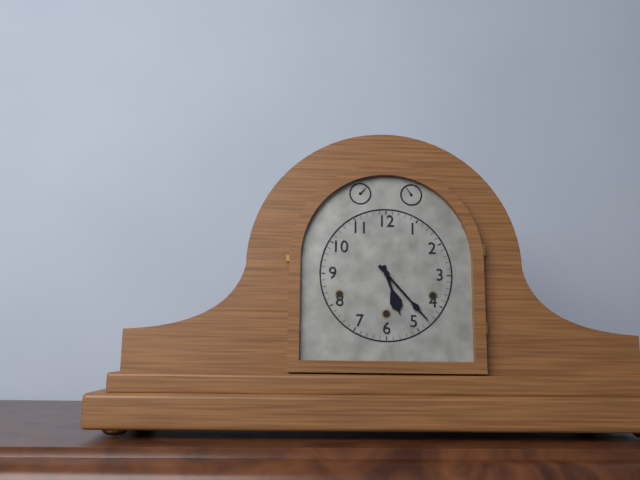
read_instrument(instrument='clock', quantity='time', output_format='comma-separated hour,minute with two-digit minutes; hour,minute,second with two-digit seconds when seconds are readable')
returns 5,23
